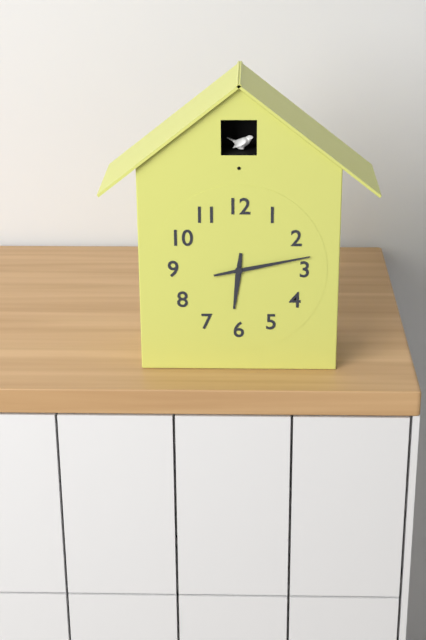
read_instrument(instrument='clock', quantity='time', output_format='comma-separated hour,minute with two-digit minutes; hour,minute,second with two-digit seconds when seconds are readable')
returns 6,13
